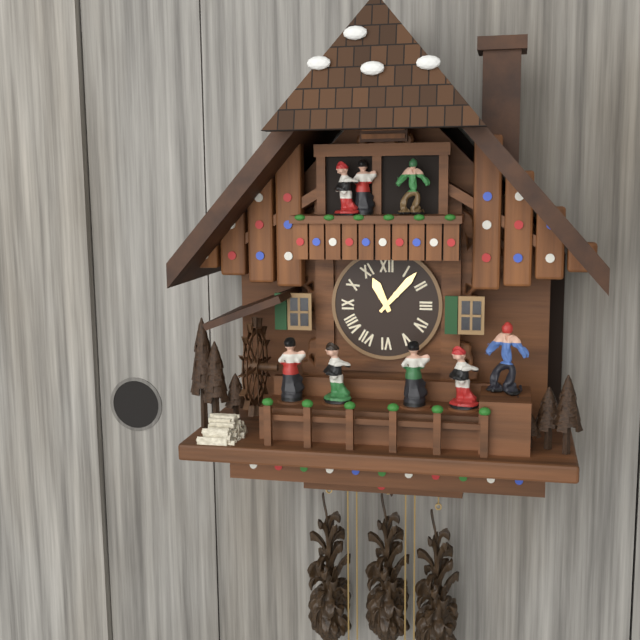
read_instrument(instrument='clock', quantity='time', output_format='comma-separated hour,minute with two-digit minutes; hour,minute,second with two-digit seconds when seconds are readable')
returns 11,07
